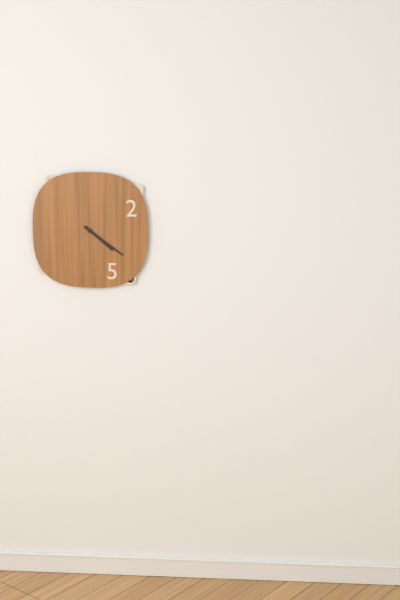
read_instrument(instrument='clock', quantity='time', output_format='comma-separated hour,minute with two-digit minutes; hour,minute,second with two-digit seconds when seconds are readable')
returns 4,21
